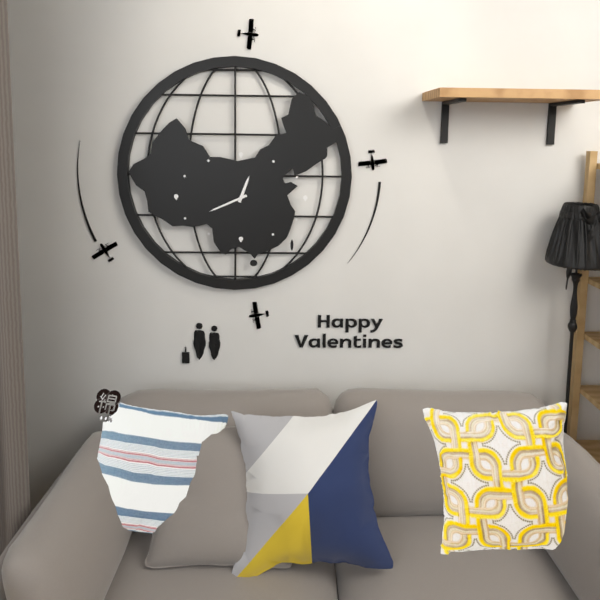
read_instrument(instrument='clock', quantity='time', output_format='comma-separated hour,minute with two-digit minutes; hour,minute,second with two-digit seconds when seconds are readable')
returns 12,41
